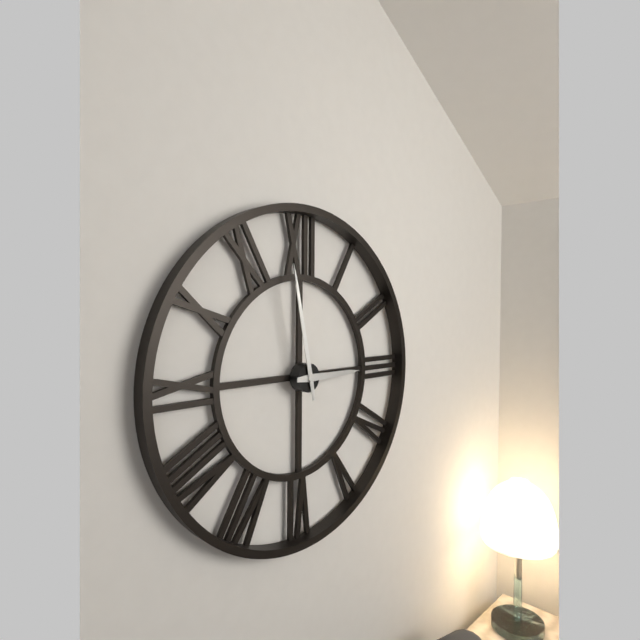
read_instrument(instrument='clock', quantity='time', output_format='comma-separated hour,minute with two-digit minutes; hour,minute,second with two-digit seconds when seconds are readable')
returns 2,58
